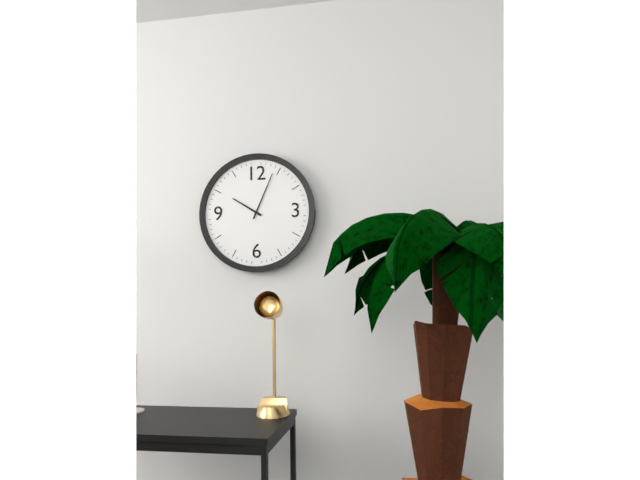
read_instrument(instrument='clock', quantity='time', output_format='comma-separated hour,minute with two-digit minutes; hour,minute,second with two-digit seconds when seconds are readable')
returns 10,04
